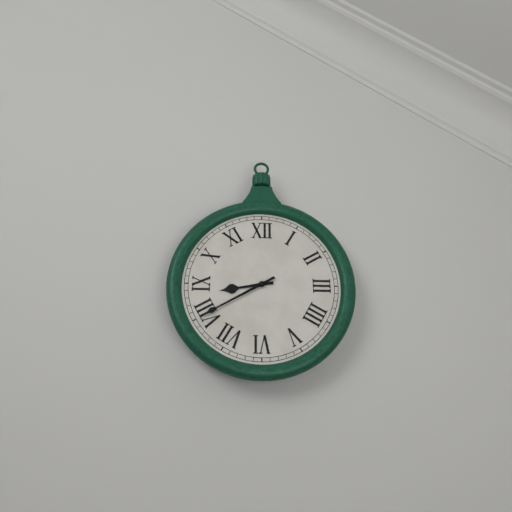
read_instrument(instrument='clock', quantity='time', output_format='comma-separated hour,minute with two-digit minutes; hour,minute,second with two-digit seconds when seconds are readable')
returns 8,40
